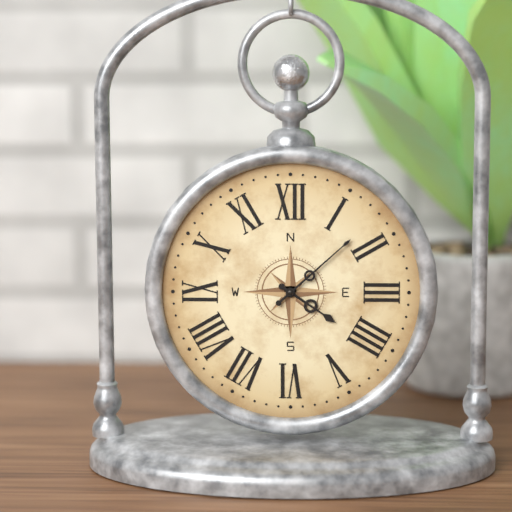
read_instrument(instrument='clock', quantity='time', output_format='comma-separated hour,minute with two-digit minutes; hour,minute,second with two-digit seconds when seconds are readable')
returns 4,08
